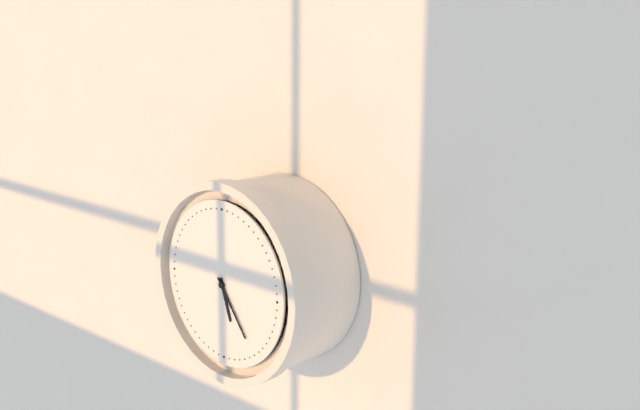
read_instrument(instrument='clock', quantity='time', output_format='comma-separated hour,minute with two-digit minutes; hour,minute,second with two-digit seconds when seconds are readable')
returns 5,24
